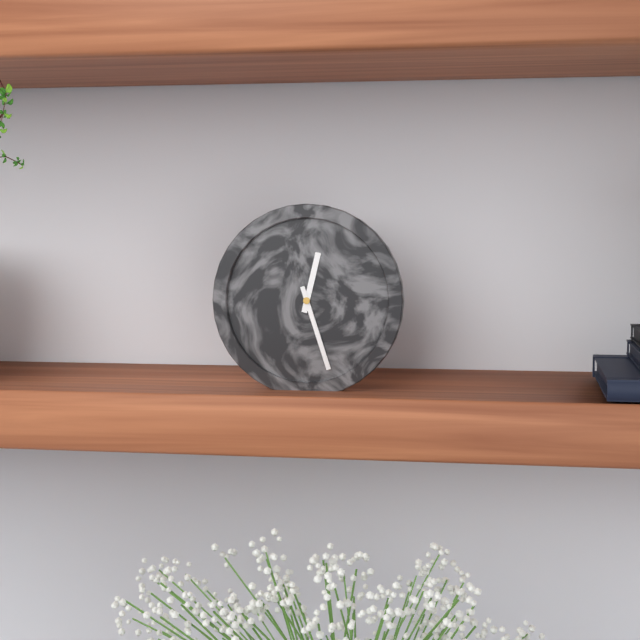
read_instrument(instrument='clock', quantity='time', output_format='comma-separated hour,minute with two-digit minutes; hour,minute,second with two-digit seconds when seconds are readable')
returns 12,27
